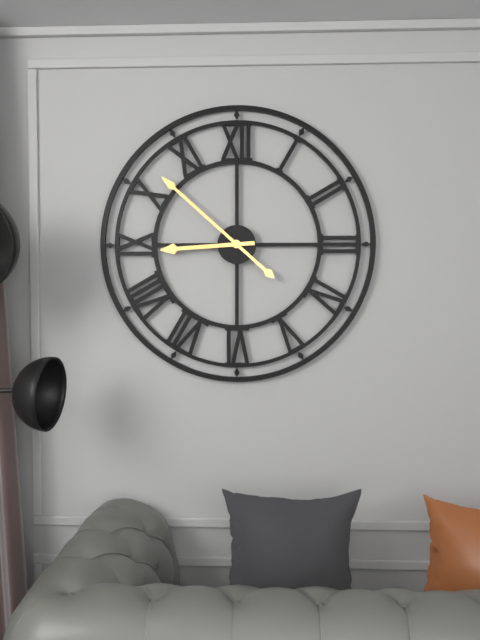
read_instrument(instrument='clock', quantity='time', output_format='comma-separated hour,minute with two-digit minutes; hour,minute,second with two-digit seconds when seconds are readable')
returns 8,52
